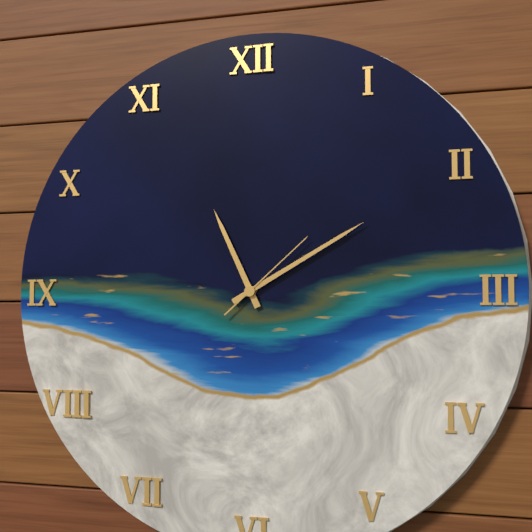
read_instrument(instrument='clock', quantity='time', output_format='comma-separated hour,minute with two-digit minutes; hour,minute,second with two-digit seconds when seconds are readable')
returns 11,10,08
